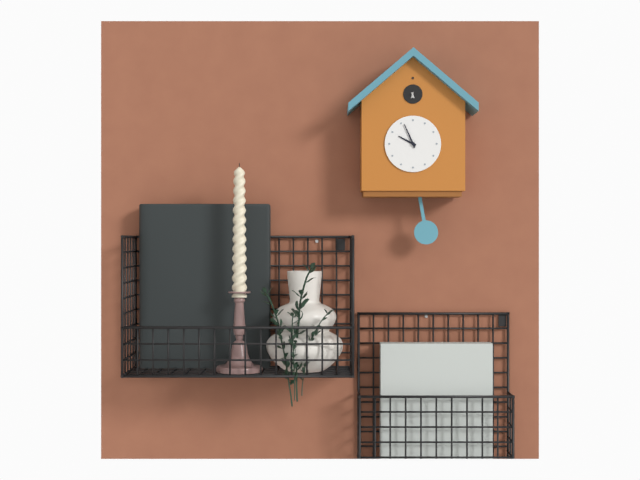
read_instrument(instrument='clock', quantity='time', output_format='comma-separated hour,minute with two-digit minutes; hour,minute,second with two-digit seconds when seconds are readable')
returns 9,56
